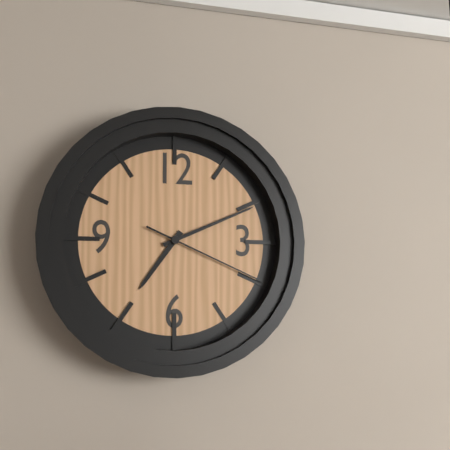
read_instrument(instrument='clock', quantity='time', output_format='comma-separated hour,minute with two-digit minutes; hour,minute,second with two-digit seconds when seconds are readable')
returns 7,11,19
